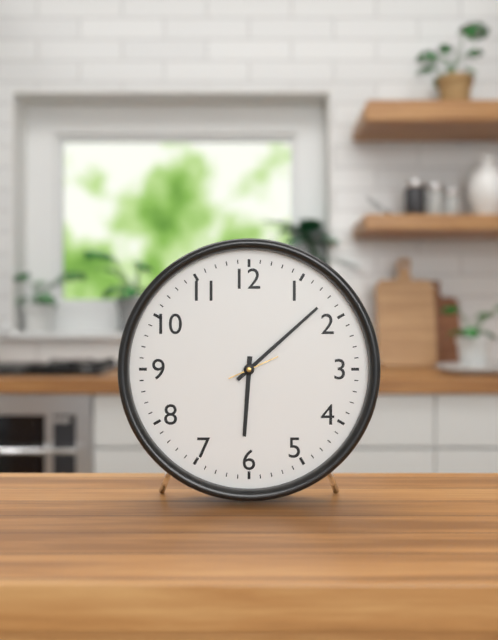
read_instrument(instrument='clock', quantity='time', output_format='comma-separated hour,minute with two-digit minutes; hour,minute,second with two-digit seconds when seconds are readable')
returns 6,08
